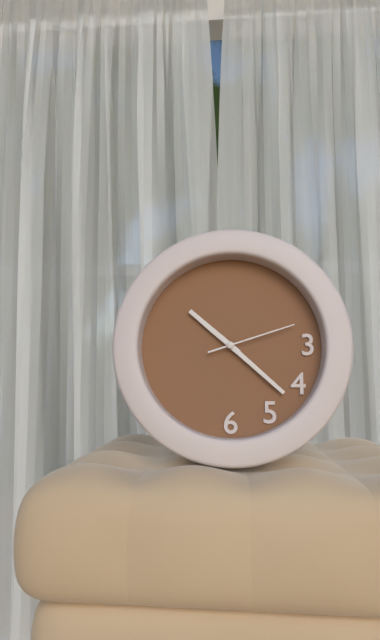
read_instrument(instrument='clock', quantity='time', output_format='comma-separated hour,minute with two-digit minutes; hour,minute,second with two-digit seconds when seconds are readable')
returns 10,22,12
